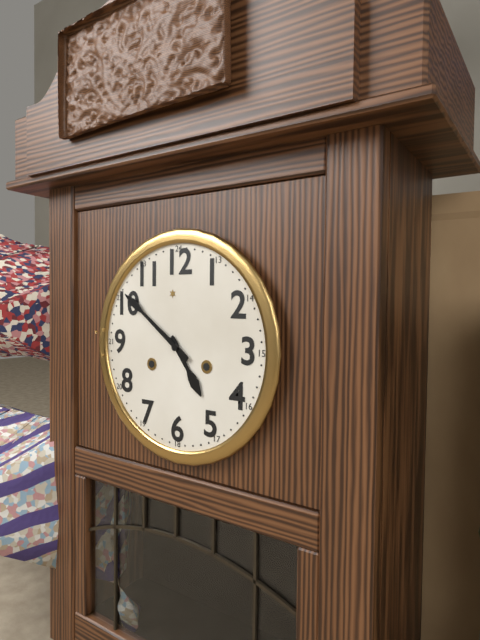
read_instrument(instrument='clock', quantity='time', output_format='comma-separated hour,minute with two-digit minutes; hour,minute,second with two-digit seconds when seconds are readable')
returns 4,51
